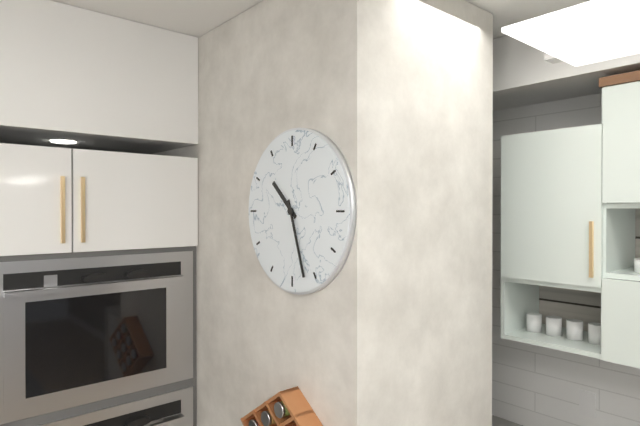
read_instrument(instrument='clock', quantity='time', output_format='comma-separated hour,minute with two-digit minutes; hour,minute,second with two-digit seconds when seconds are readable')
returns 10,27
